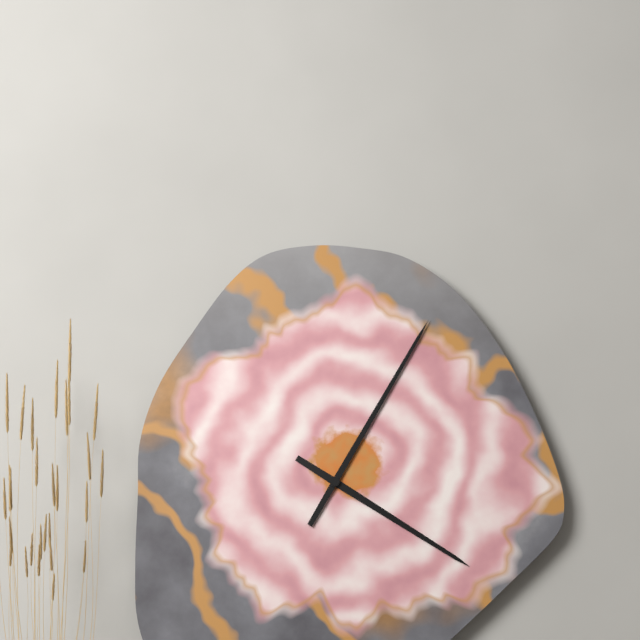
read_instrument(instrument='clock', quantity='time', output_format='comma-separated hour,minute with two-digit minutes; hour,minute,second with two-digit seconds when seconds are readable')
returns 4,05
